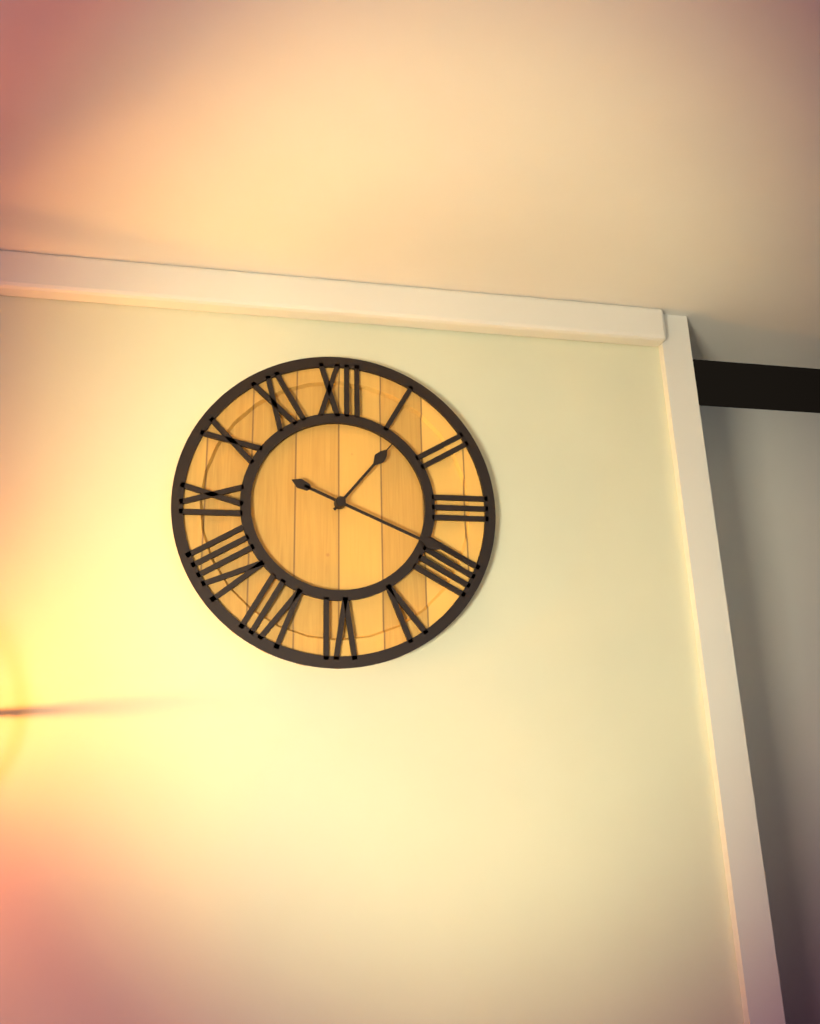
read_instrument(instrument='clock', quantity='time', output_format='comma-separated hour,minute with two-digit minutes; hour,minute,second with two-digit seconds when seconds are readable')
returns 1,19
